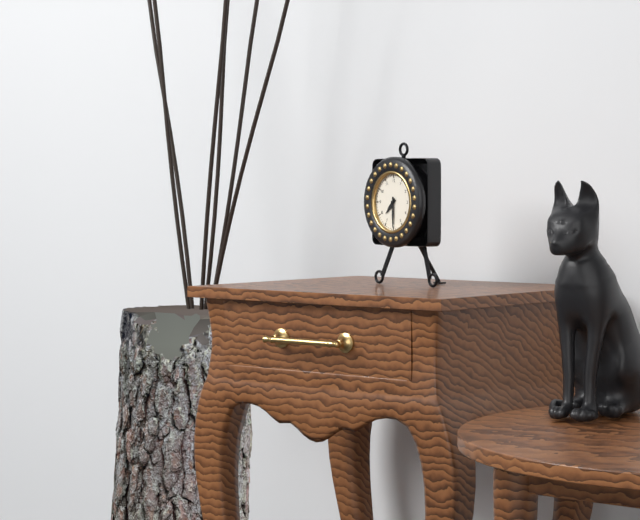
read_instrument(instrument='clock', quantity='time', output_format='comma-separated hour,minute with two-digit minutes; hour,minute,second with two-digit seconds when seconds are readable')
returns 7,30
